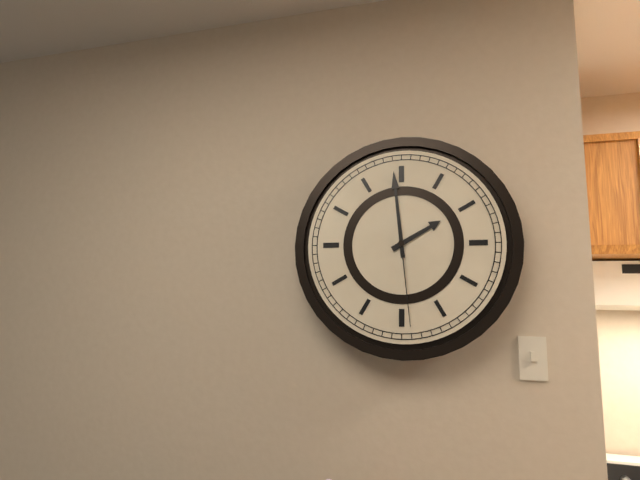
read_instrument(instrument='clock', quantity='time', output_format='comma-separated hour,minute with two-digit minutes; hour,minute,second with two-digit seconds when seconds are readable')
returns 1,59,29
